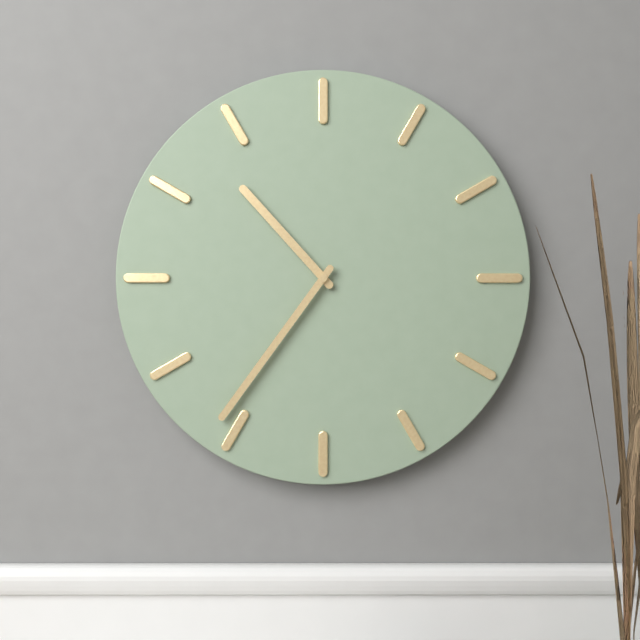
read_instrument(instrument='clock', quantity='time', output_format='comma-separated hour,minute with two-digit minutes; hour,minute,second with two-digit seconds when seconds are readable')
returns 10,36
